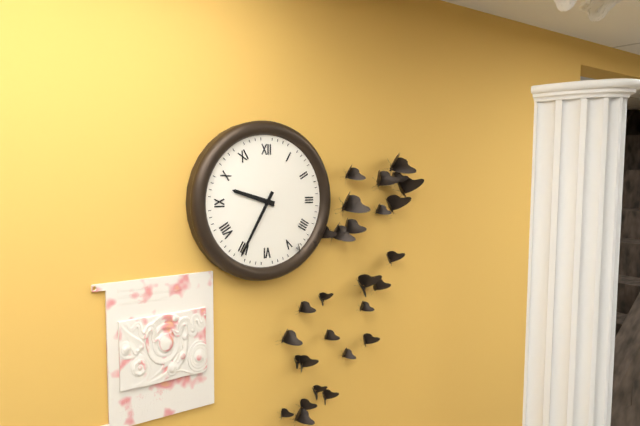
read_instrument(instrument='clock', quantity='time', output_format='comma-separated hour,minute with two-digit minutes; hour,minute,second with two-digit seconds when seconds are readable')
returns 9,35
